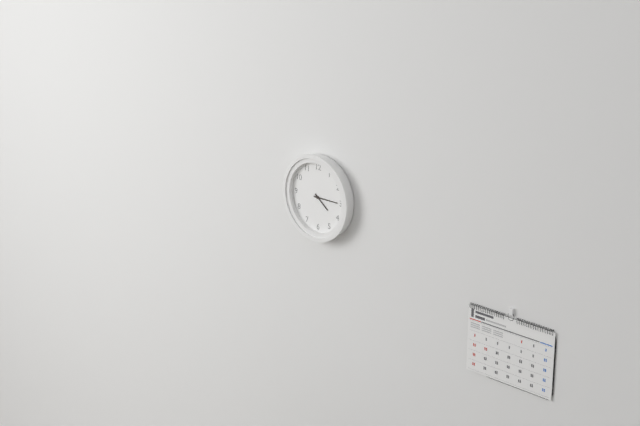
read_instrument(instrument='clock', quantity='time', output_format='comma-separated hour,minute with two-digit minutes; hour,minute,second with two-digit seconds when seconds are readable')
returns 4,15
